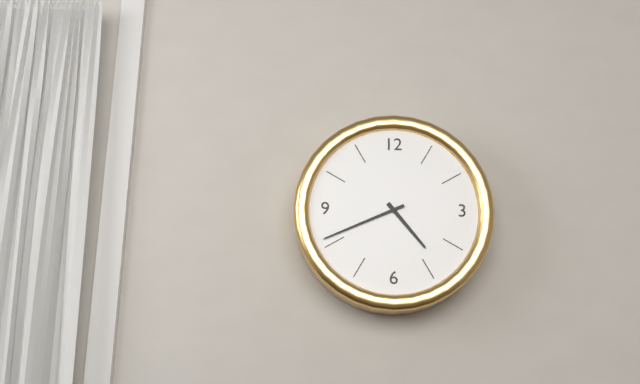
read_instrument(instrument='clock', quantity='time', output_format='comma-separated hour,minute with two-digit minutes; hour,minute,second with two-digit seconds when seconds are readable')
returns 4,41
